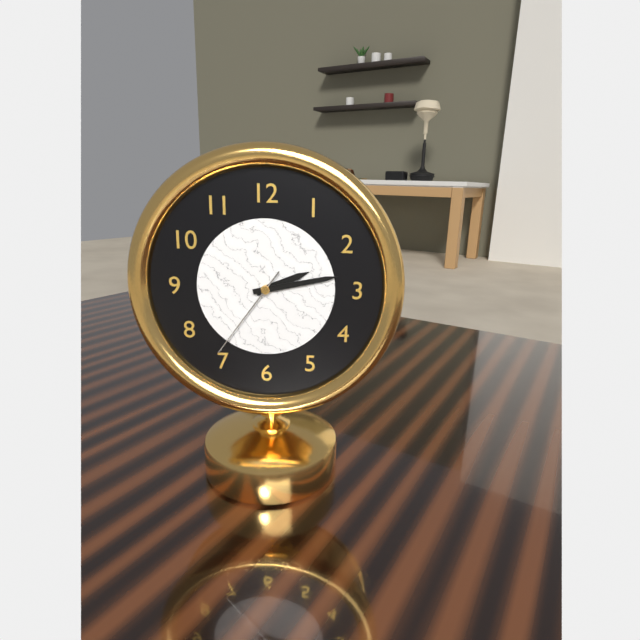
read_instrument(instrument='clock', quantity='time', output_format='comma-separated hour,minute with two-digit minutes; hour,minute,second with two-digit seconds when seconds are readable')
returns 2,13,36
